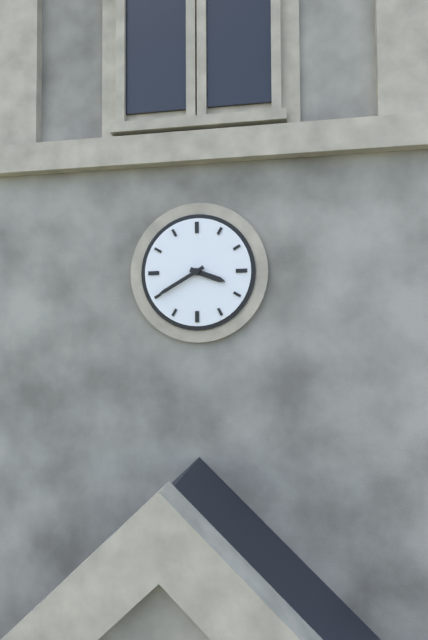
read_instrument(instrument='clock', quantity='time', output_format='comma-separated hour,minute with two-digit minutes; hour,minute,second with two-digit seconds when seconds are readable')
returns 3,40
